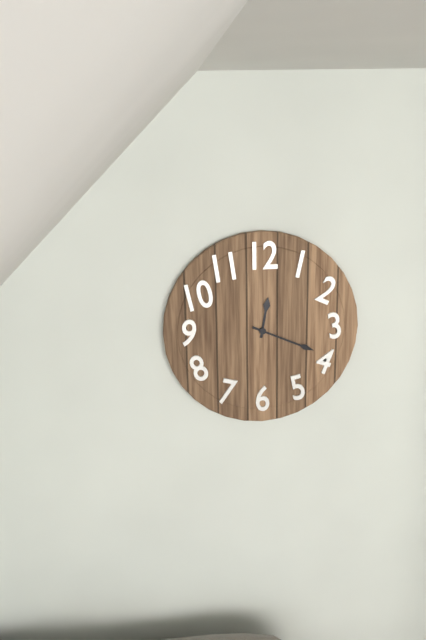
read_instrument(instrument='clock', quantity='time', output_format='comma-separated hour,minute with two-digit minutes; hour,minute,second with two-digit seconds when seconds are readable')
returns 12,19
